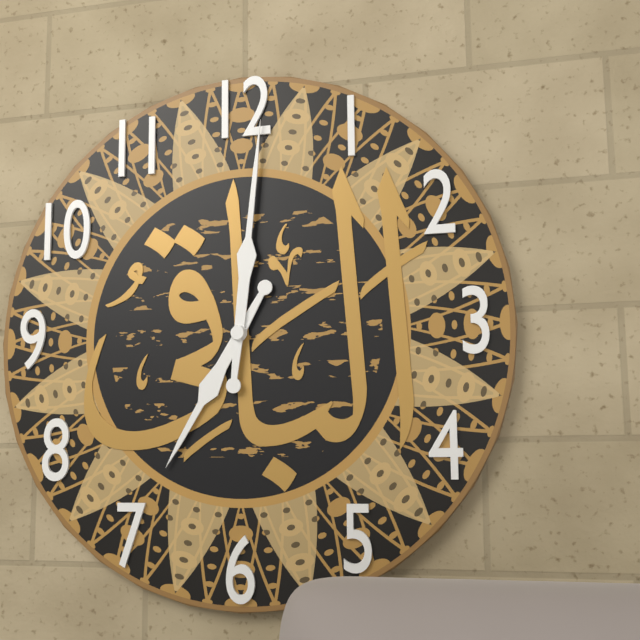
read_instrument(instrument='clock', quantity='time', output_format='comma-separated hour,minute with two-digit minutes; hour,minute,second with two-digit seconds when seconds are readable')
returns 7,01
